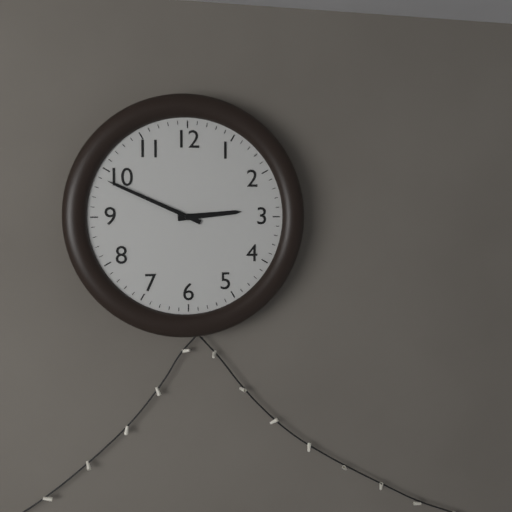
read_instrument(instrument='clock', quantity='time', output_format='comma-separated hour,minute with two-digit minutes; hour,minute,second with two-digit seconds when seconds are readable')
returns 2,49
